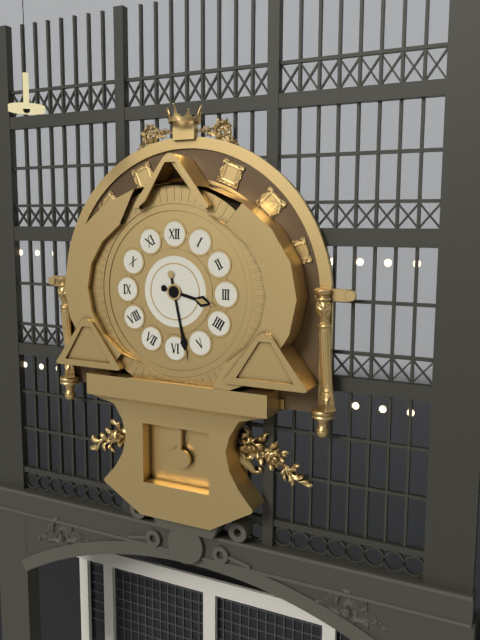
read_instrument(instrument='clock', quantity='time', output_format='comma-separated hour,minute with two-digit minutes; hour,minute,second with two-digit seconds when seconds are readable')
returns 3,28
